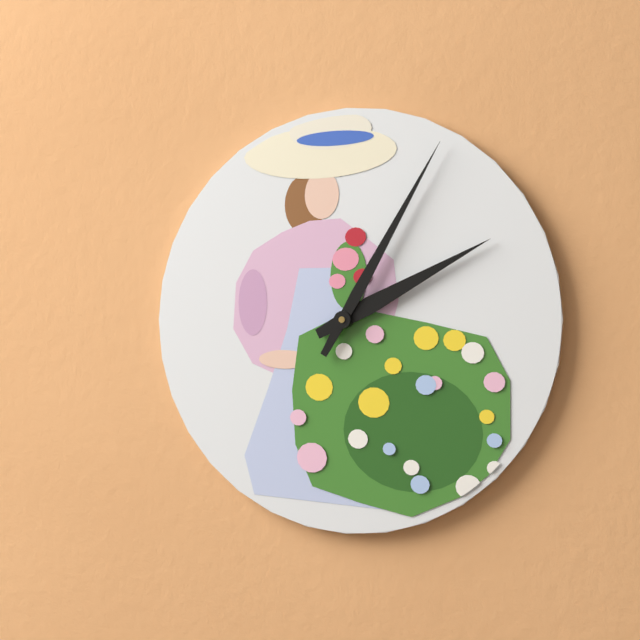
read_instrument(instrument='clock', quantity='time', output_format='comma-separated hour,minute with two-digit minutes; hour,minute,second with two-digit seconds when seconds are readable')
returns 2,05
